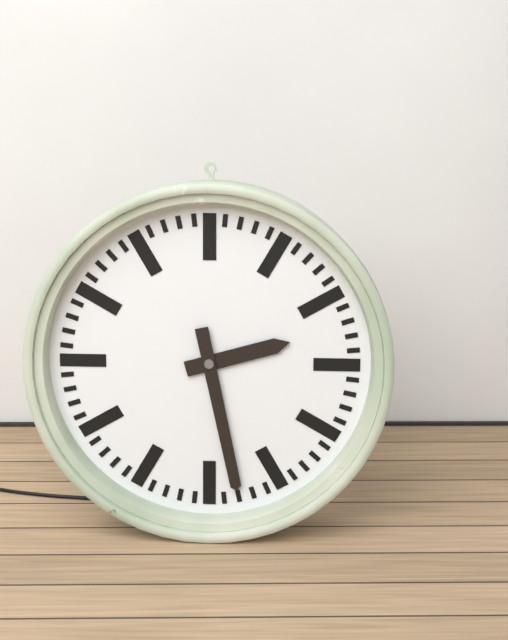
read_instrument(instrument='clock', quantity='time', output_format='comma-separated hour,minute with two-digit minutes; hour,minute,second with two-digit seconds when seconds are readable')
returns 2,28
